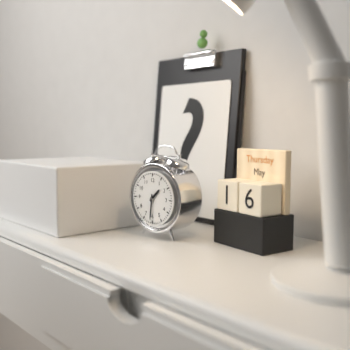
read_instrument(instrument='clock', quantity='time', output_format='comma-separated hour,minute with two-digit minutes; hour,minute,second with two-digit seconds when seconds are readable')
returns 1,31
